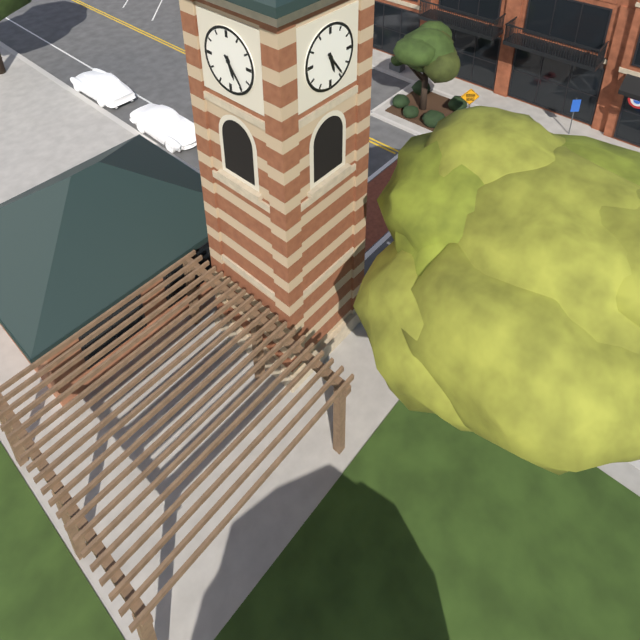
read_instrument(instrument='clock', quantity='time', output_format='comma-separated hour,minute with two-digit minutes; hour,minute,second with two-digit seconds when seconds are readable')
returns 5,24
